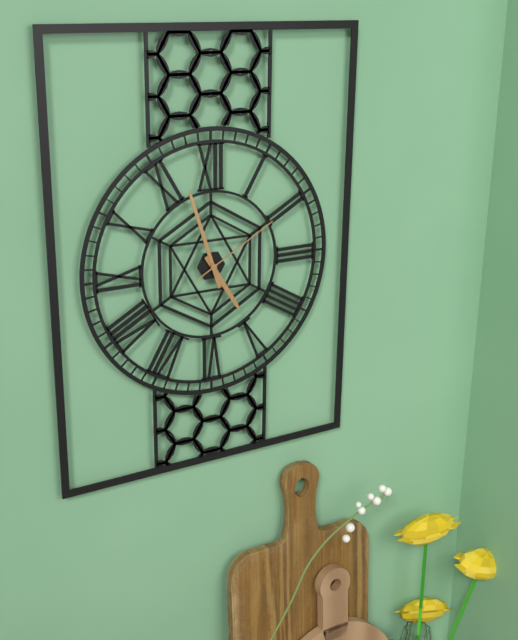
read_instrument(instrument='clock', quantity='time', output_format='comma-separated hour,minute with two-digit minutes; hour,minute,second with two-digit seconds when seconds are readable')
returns 4,57,10
